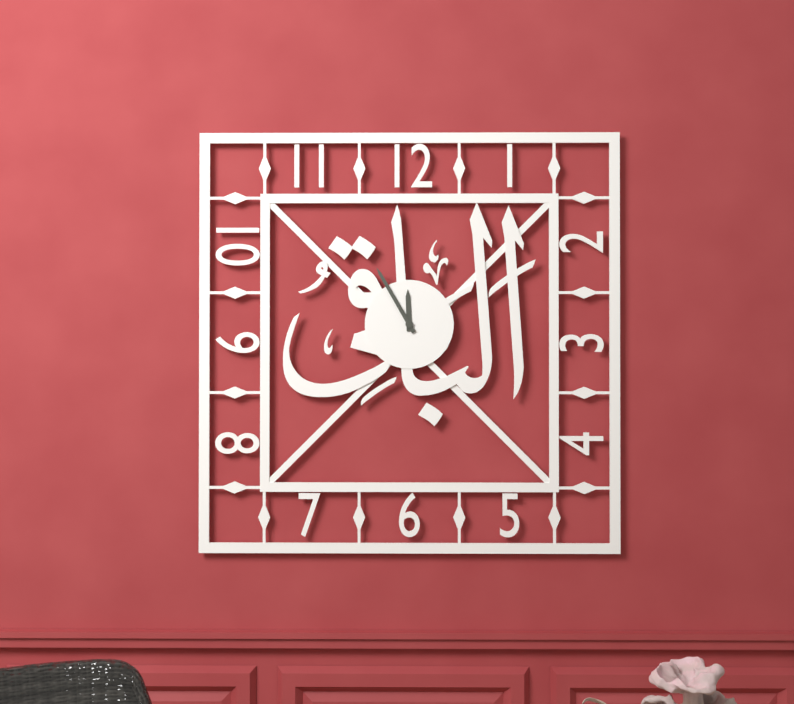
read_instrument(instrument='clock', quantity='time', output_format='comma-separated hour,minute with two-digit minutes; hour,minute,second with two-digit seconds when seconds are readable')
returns 11,55
